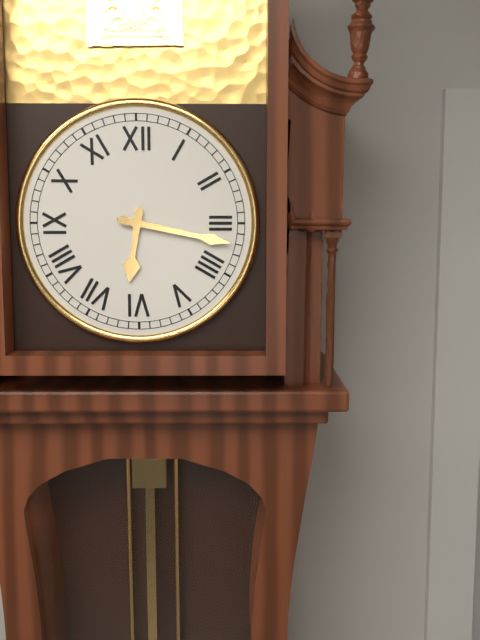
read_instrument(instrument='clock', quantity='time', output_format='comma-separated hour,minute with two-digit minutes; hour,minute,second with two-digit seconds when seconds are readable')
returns 6,17
